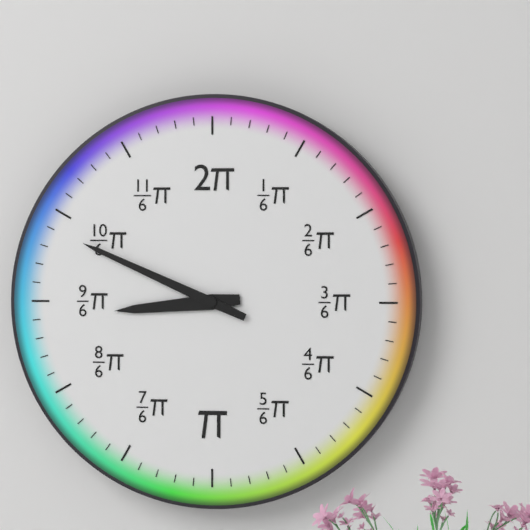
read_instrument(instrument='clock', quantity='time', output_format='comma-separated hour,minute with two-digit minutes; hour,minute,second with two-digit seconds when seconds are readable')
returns 8,49
